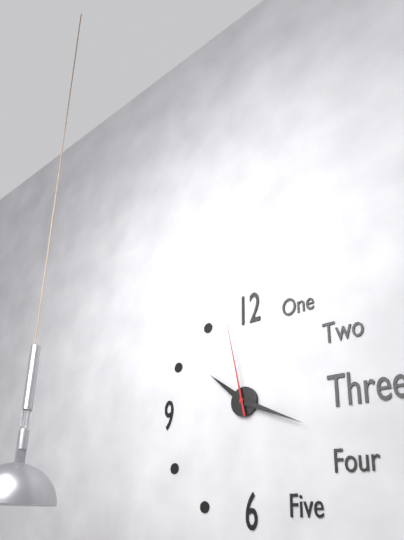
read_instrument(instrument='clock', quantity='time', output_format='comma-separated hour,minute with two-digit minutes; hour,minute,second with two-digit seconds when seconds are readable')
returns 10,19,58
